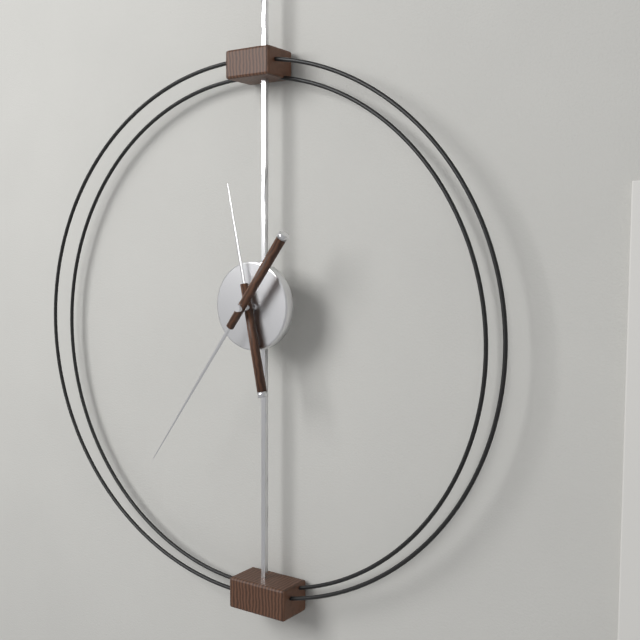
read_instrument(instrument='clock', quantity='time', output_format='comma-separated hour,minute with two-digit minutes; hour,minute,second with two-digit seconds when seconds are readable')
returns 11,36
